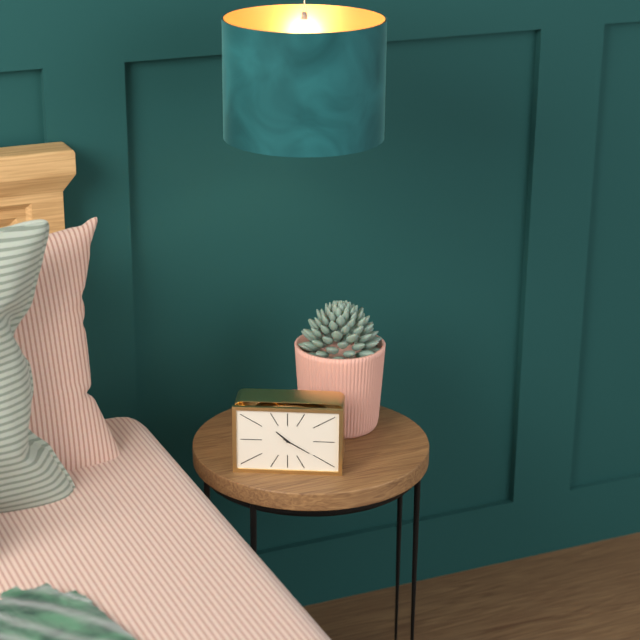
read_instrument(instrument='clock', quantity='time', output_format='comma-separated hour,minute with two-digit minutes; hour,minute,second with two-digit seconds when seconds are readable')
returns 10,20
